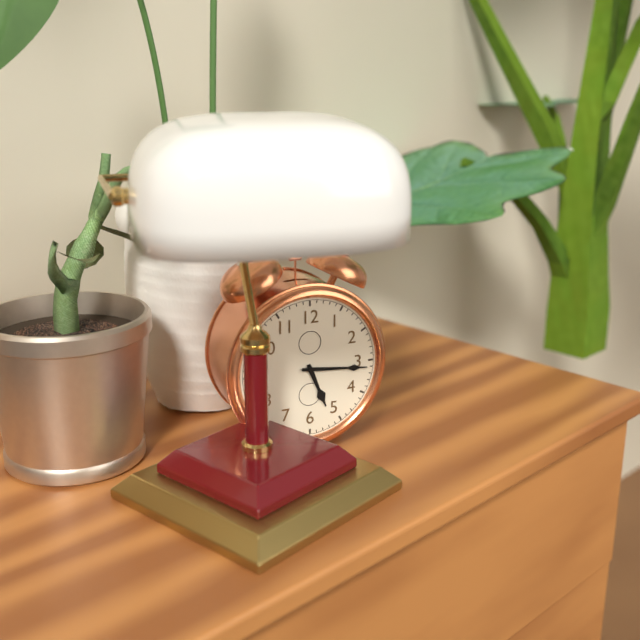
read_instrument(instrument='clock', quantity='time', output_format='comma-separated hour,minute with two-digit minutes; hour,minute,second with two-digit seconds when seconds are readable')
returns 5,16
